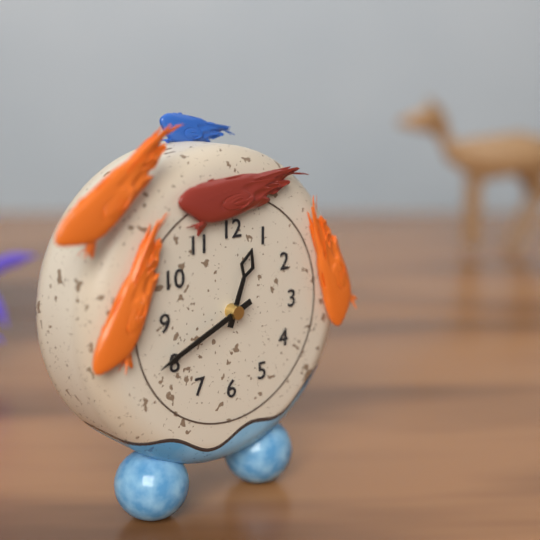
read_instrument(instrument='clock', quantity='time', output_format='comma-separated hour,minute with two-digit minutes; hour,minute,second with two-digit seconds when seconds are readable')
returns 12,41
